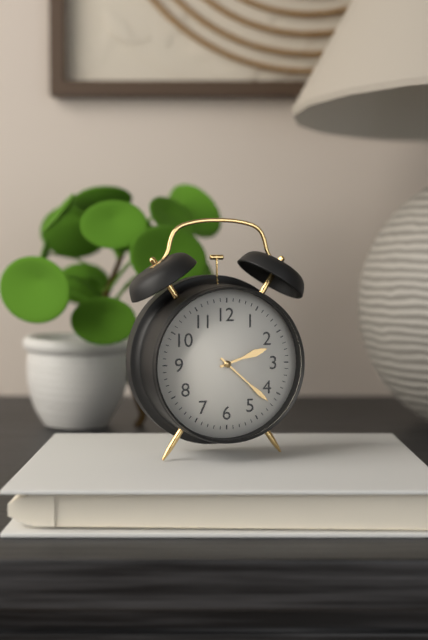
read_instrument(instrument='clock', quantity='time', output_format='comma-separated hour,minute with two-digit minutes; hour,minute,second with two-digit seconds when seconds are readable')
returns 2,22
